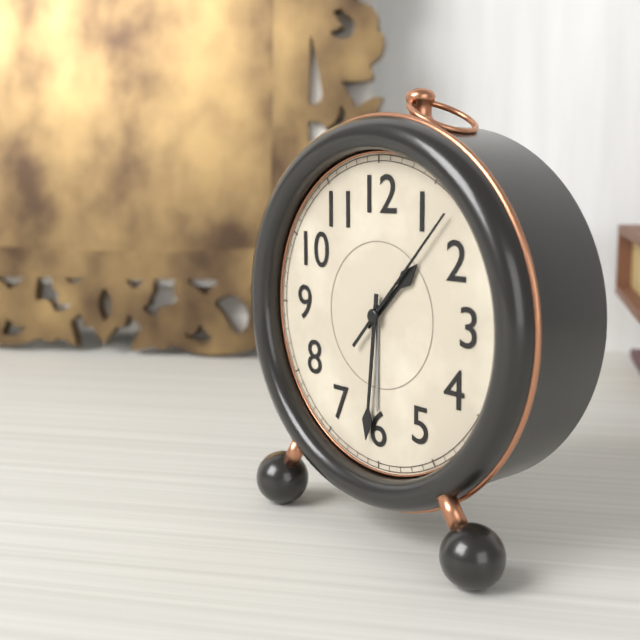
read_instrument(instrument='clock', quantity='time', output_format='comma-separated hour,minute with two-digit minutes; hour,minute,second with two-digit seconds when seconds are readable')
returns 1,31,07
